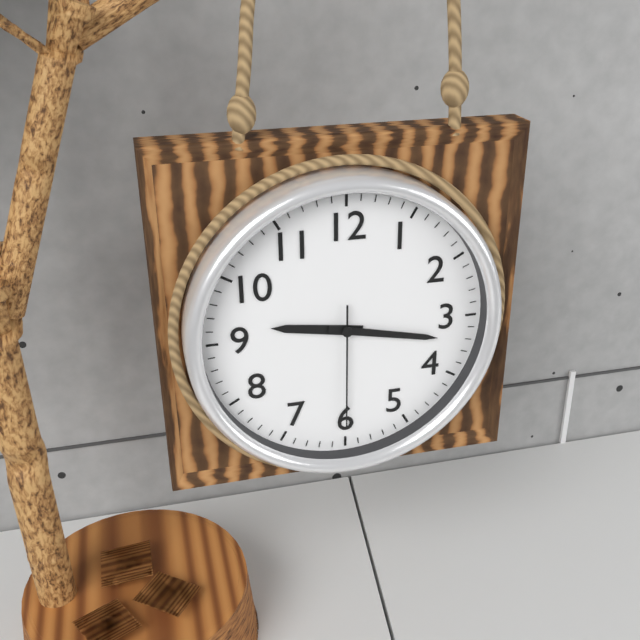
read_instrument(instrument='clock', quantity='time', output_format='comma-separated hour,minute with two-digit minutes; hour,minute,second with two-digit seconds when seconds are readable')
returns 9,17,30
